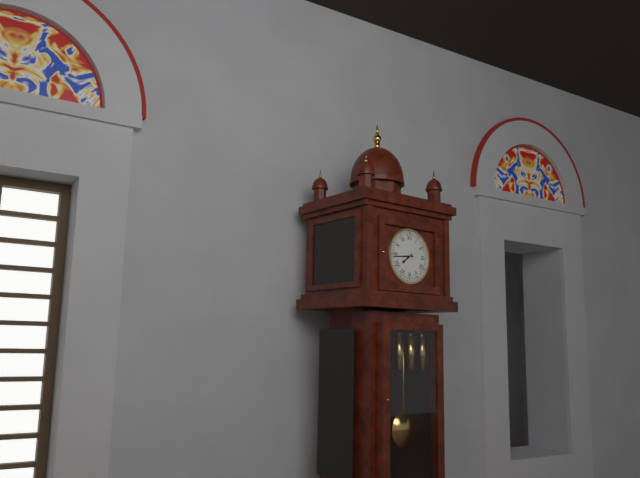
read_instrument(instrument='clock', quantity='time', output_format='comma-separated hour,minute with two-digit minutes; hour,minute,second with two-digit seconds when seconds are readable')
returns 7,44
